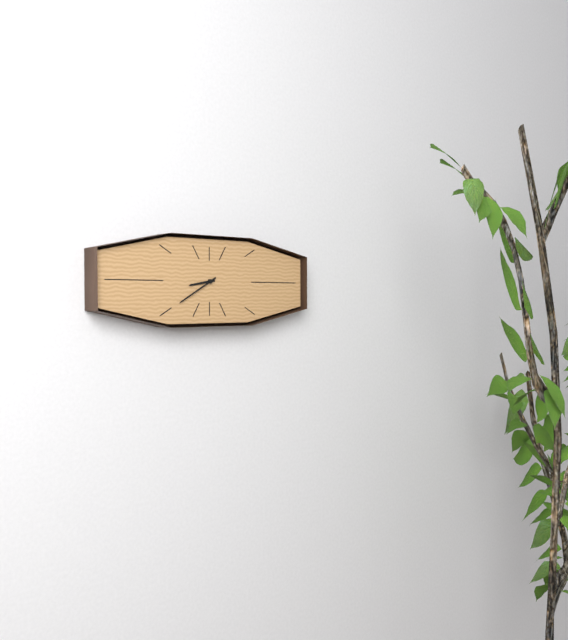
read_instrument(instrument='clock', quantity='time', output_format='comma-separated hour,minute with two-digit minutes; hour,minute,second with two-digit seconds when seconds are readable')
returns 8,40
